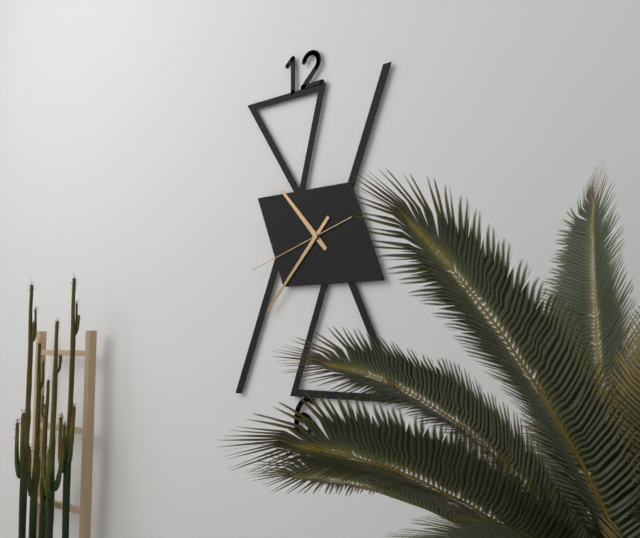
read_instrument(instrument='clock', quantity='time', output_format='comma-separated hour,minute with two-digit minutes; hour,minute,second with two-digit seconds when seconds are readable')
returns 10,37,42
